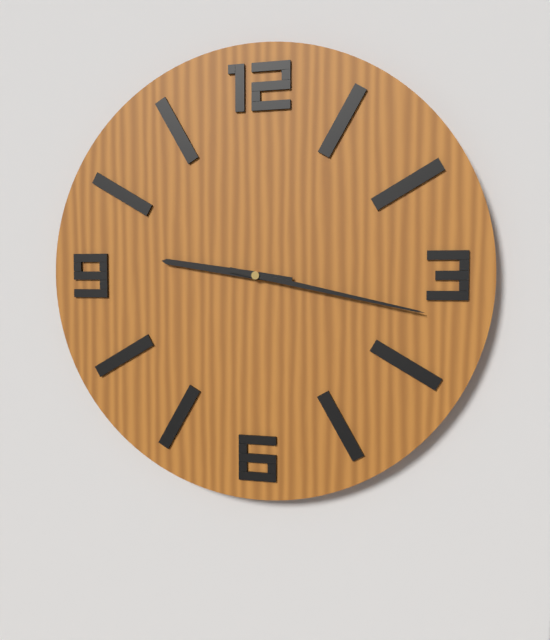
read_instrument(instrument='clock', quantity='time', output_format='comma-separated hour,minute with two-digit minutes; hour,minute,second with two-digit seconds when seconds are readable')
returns 9,17
